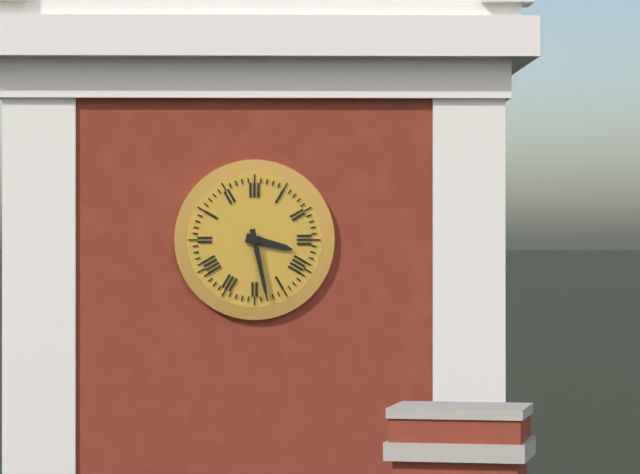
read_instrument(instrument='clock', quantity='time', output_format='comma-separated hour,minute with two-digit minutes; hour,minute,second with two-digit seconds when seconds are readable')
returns 3,28
